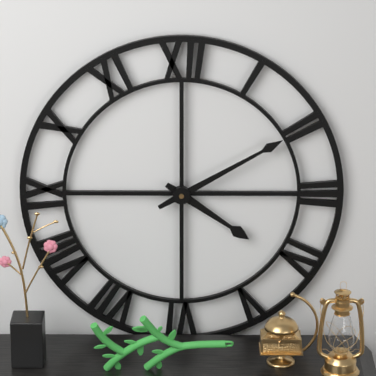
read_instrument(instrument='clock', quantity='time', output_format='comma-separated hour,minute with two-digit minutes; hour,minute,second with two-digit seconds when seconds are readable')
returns 4,10
